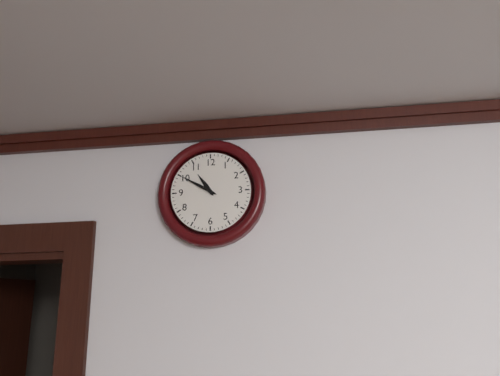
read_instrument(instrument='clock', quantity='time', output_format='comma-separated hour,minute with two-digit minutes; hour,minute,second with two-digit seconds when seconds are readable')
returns 10,50
